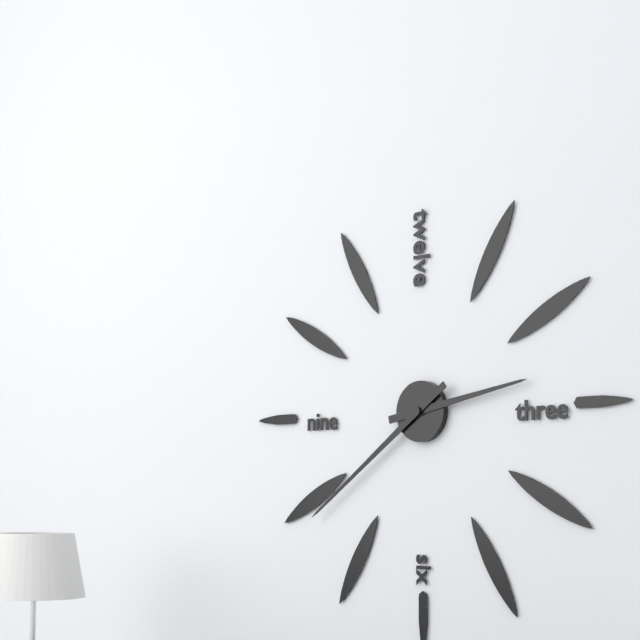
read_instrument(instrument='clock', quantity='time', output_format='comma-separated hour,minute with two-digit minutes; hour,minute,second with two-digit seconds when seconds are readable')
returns 2,39
